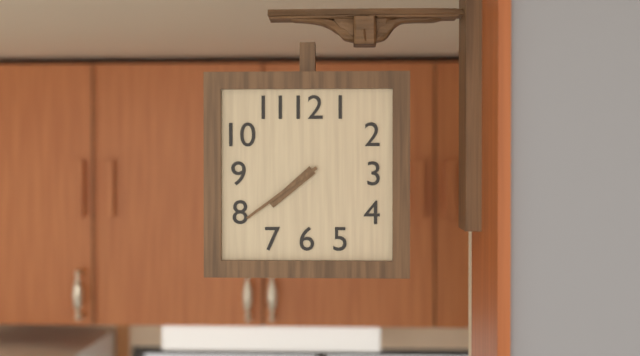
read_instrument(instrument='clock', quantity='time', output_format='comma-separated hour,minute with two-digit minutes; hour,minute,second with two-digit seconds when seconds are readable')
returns 7,39
